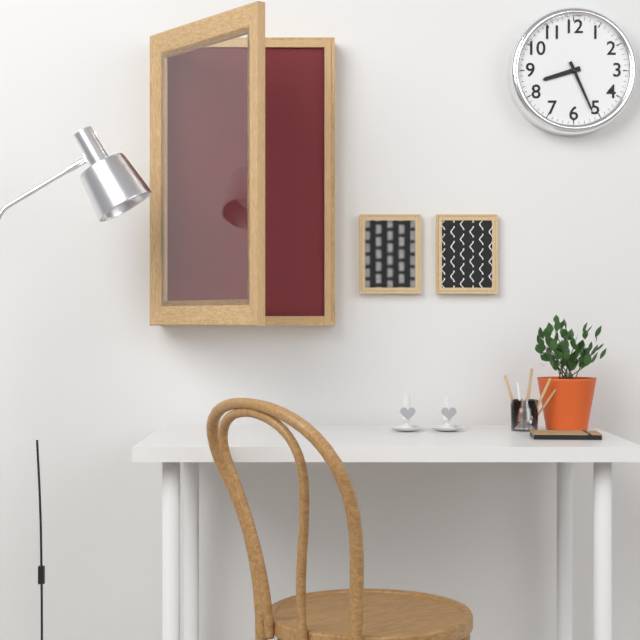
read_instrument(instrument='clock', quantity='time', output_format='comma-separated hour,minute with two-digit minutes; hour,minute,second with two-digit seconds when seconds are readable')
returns 8,26
